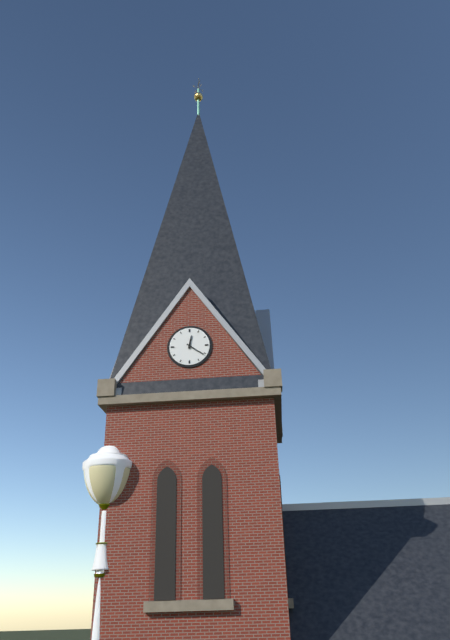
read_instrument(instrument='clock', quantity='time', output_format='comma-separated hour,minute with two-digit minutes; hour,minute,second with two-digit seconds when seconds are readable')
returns 12,21
